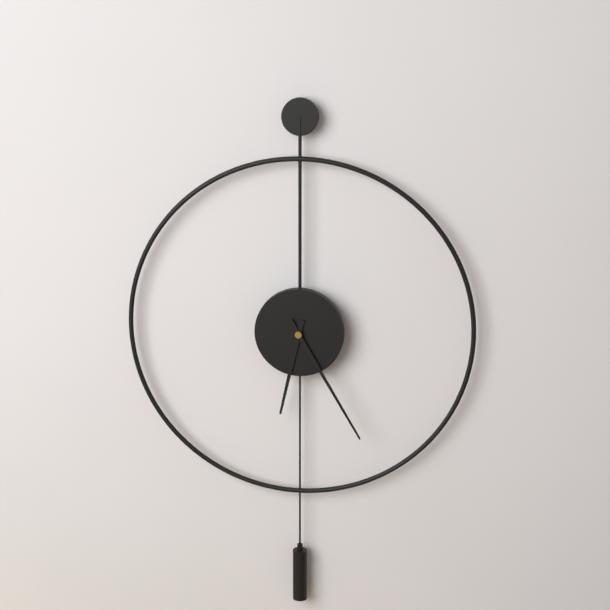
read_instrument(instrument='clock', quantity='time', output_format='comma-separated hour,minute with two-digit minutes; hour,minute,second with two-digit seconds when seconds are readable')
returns 6,25
